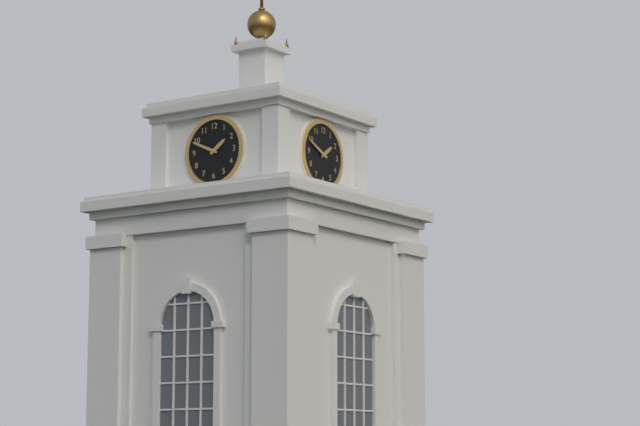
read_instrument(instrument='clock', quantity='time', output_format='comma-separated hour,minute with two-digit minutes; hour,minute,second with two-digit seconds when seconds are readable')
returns 1,49
